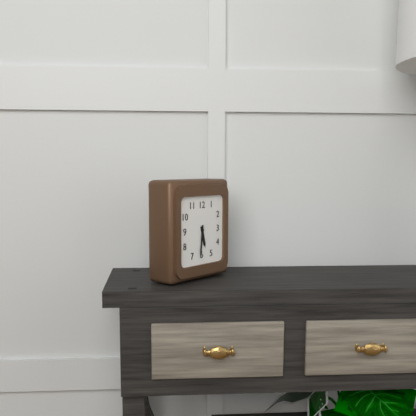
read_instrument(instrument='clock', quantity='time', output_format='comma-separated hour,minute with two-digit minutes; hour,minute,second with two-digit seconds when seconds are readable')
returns 5,31
